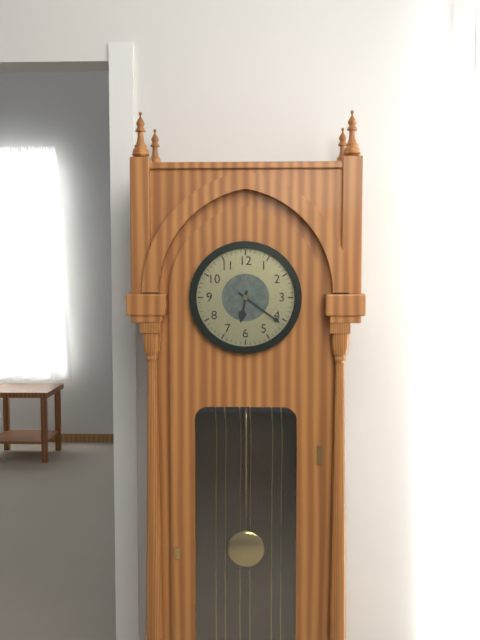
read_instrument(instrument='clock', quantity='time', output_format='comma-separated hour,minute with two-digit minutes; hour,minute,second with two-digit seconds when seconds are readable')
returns 6,21
